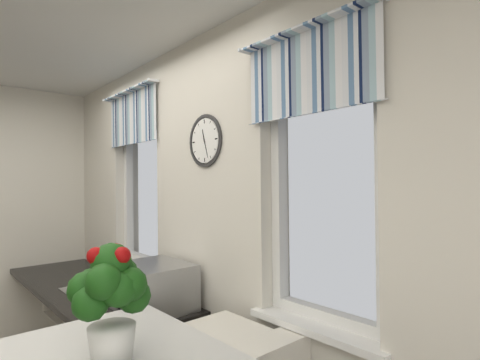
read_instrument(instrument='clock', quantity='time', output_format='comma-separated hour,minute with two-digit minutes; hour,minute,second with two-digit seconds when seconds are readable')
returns 11,27
